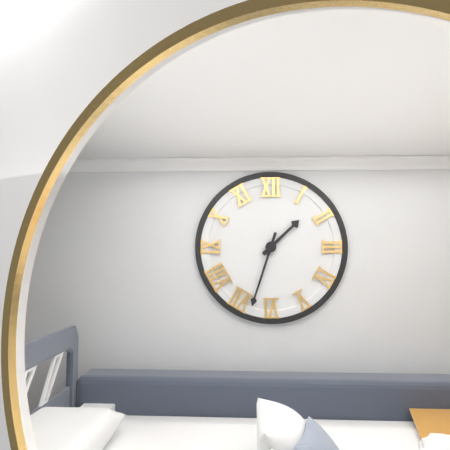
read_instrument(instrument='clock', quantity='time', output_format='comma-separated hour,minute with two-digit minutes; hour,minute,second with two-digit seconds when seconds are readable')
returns 1,33
